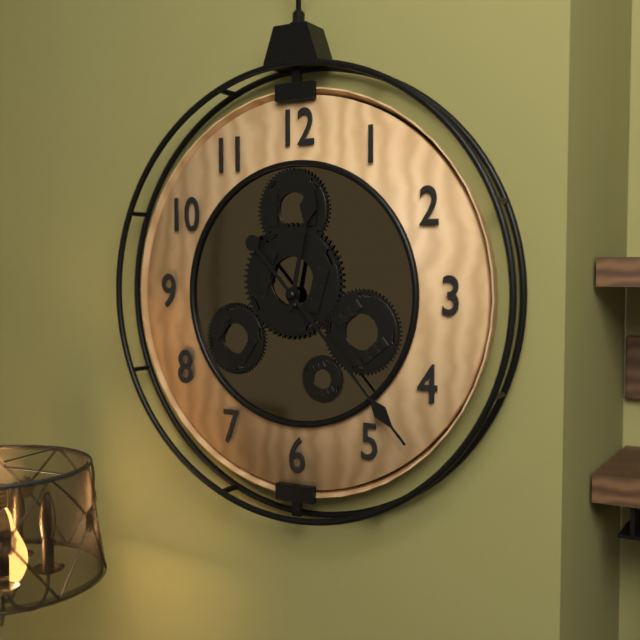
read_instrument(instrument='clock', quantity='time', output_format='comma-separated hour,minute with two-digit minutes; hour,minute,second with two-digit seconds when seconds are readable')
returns 12,23
